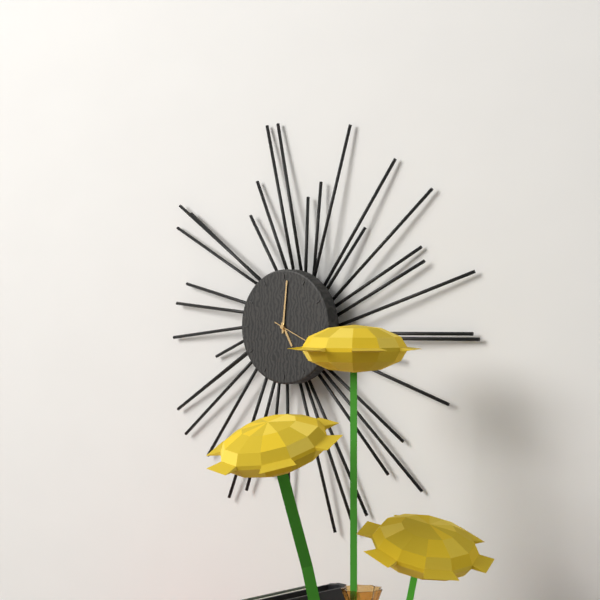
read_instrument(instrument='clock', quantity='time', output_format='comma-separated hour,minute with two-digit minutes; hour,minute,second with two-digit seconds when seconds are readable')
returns 5,01
